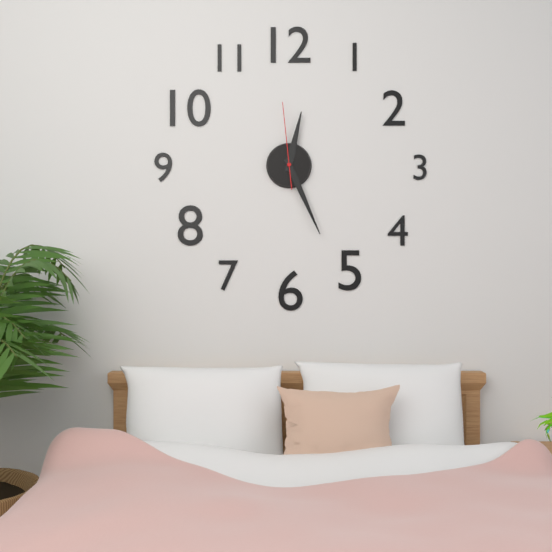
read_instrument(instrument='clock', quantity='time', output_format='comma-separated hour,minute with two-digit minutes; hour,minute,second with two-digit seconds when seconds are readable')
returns 12,26,59
